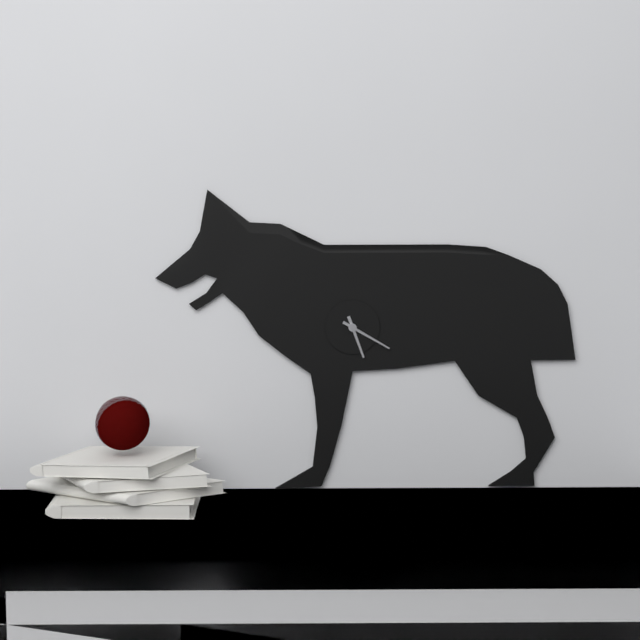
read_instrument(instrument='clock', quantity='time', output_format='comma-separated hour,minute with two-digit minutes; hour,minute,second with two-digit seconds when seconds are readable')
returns 5,20
